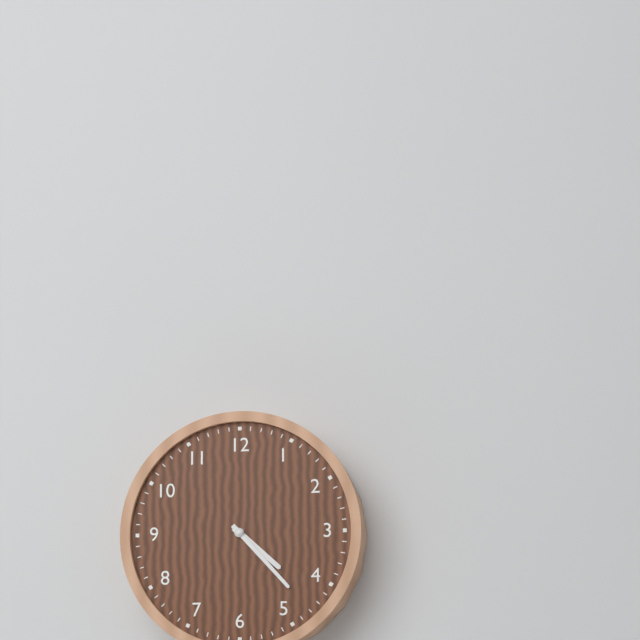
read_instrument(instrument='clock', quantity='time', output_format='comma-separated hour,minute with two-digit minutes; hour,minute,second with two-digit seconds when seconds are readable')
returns 4,23
